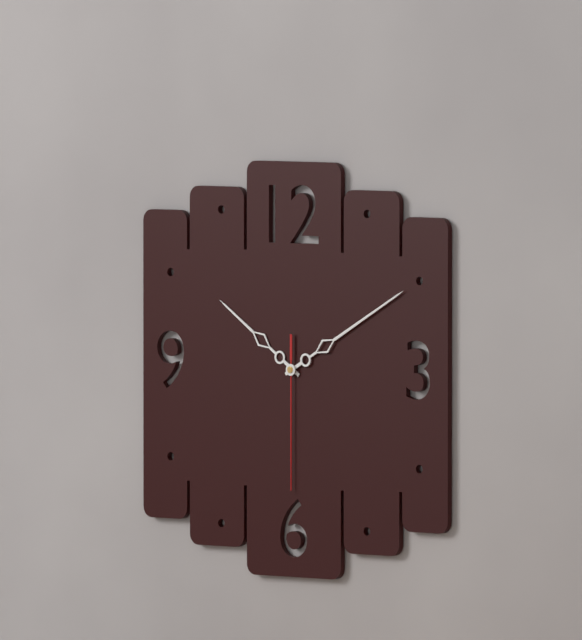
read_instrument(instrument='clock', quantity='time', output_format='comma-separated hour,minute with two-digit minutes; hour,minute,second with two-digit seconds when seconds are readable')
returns 10,10,30
